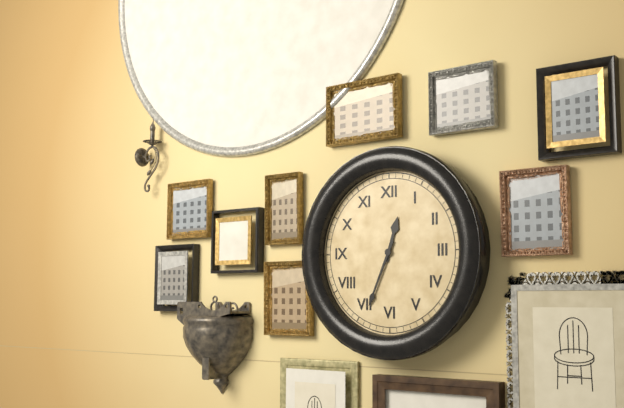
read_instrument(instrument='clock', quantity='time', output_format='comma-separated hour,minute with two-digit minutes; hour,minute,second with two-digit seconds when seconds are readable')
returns 12,34
